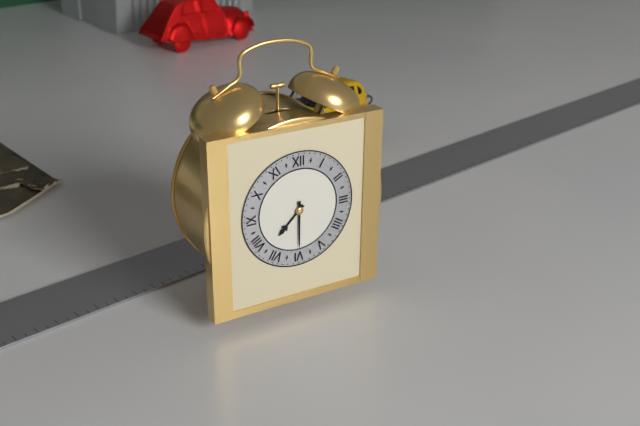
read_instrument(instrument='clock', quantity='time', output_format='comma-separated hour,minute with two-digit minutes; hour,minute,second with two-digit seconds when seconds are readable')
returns 7,30
